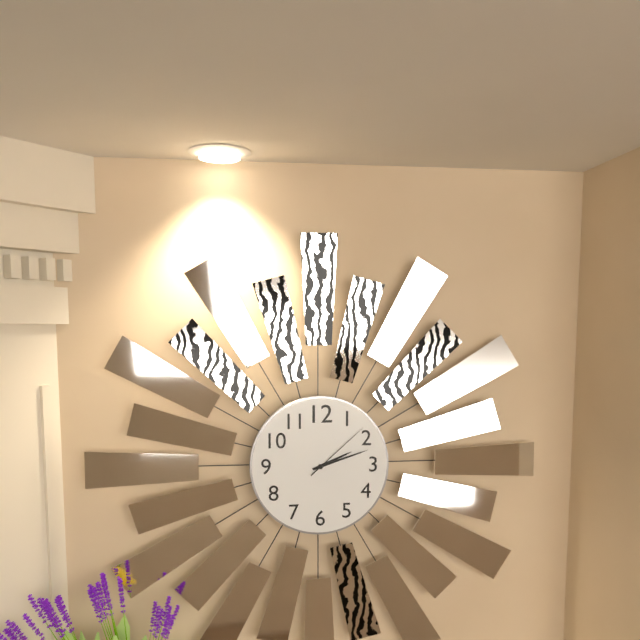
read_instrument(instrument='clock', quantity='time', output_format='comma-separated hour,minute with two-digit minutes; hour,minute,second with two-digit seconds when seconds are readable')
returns 2,12,08
